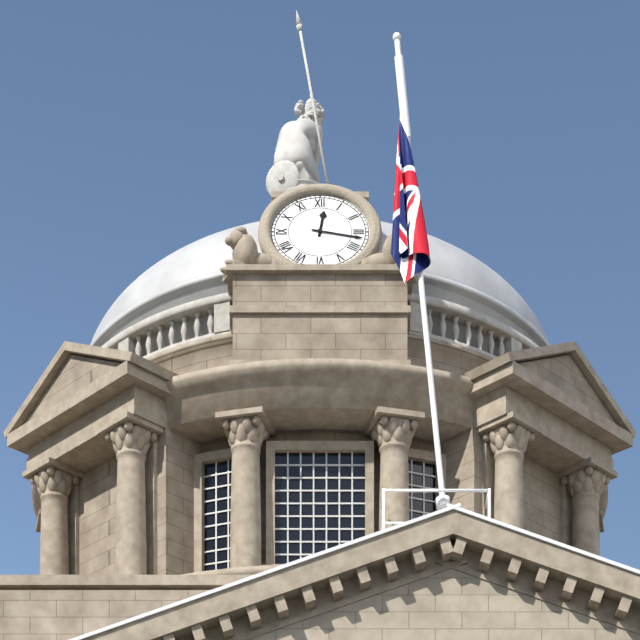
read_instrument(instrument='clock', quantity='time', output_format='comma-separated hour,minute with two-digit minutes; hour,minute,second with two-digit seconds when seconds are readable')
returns 12,17
